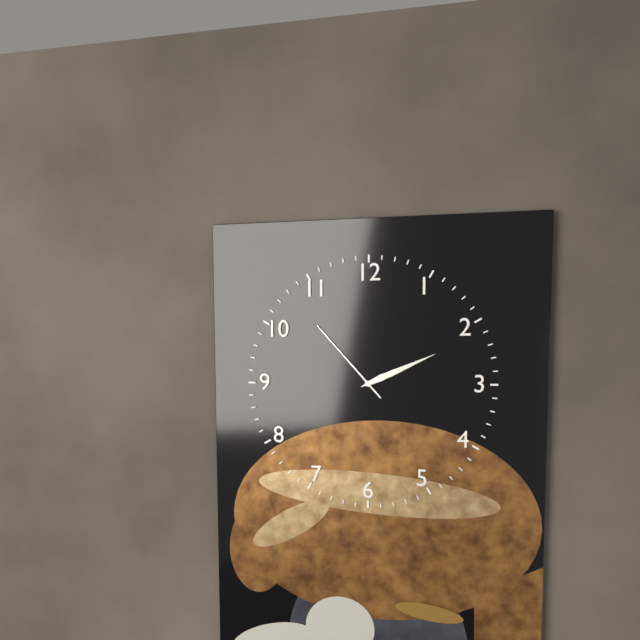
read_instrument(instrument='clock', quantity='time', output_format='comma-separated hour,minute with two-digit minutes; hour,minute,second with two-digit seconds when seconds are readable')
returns 2,11,53
